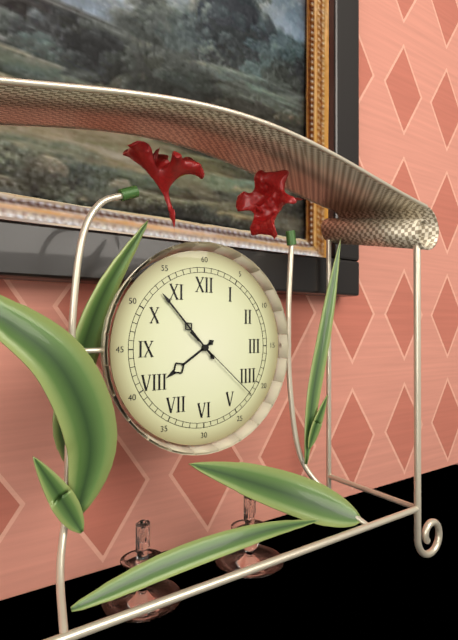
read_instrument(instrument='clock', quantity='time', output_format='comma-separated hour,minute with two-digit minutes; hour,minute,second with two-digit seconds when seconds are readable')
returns 7,53,22
